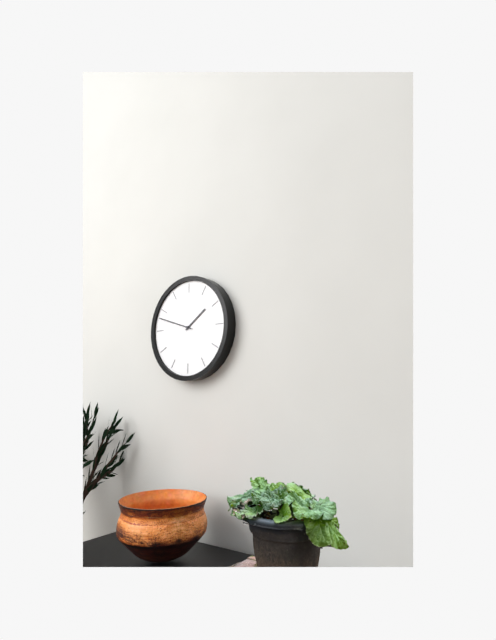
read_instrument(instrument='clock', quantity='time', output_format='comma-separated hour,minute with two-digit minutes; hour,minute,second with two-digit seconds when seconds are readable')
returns 1,48
